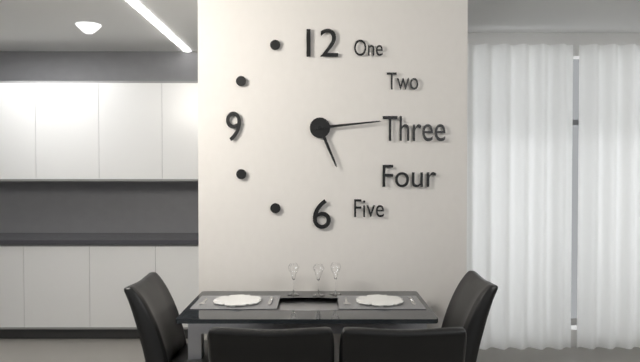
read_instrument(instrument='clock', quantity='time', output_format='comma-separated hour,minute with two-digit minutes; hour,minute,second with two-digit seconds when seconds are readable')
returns 5,14
